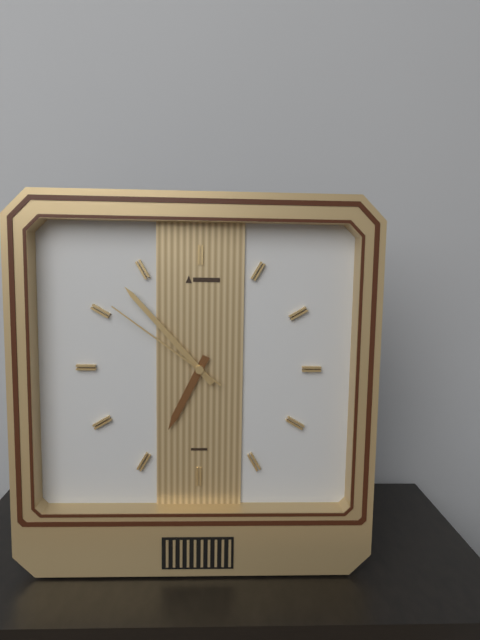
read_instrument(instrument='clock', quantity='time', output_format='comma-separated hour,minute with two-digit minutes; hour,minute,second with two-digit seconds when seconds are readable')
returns 6,53,51
